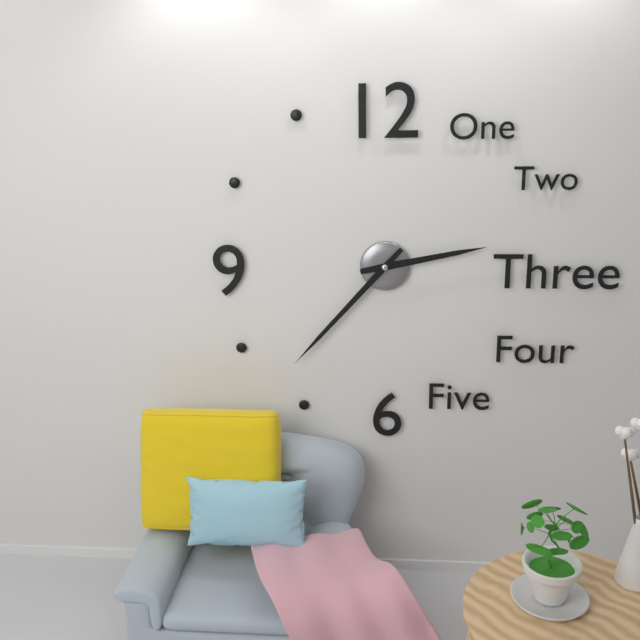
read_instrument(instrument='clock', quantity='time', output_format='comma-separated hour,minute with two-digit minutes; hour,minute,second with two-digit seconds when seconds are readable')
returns 2,37
